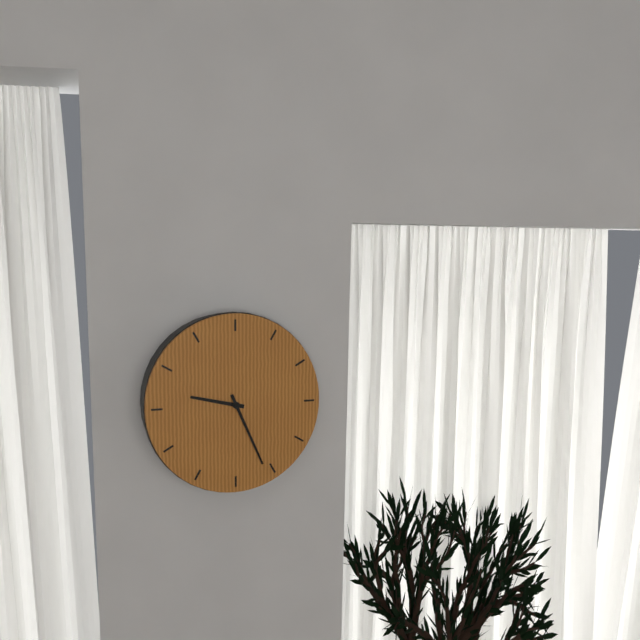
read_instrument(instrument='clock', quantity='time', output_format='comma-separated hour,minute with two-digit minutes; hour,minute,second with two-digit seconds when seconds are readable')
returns 9,26
